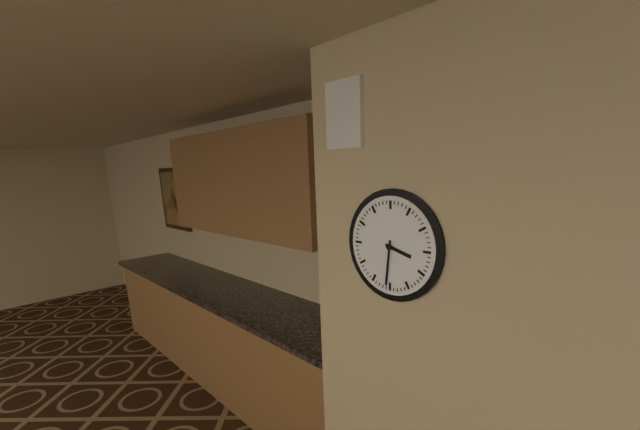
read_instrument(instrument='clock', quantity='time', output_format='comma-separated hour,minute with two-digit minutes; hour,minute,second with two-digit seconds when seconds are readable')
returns 3,31
